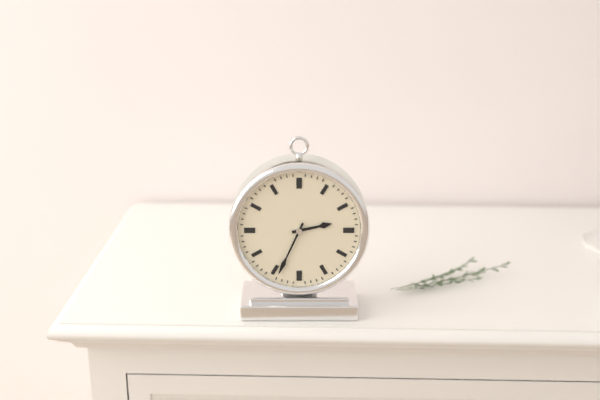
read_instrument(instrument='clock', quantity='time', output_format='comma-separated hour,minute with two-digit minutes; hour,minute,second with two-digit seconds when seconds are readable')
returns 2,34
